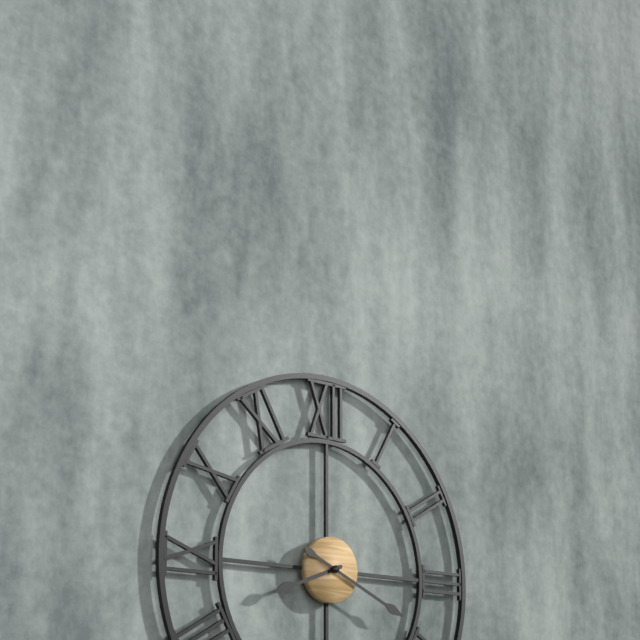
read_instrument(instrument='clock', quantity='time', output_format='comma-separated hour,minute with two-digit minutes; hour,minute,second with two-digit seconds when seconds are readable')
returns 8,19
